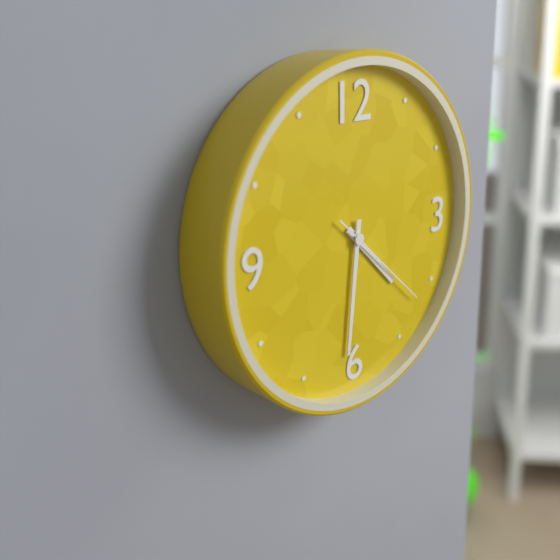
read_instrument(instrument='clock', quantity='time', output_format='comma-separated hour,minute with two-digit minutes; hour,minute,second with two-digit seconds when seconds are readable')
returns 4,31,22
